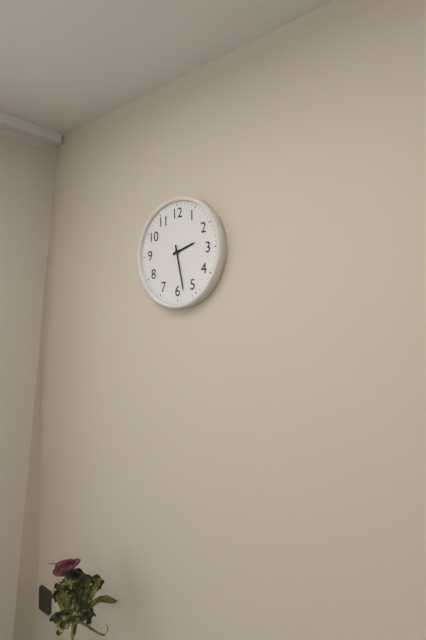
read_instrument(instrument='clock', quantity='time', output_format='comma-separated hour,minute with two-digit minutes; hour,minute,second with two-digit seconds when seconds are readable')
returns 2,28
